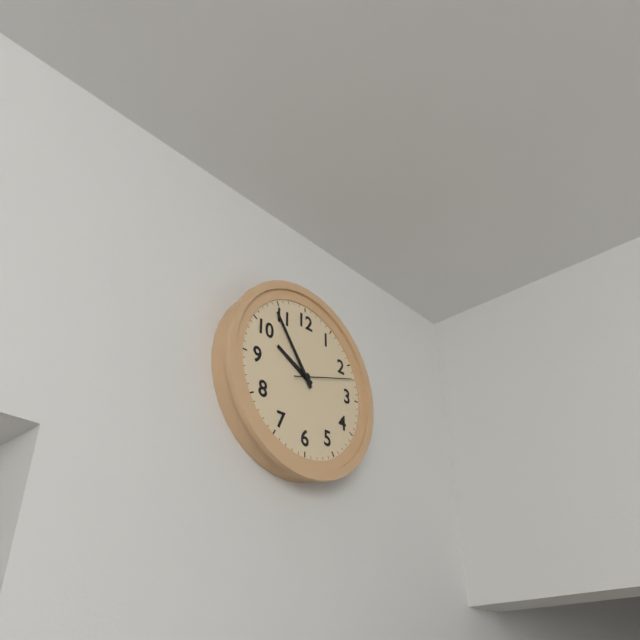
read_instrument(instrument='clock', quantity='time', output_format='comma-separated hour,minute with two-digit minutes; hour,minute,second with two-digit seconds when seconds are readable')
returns 9,54,12
